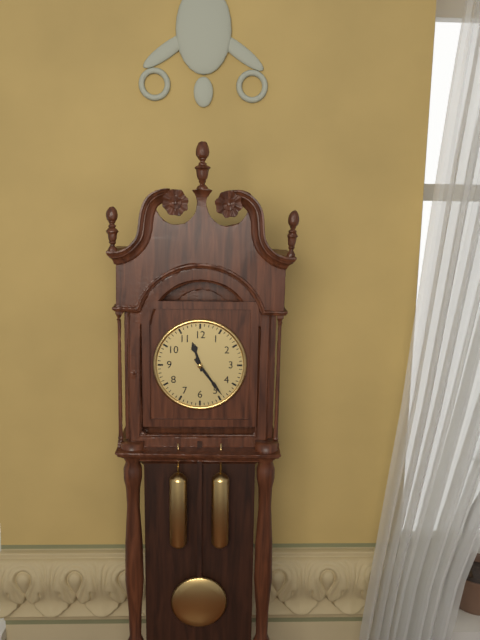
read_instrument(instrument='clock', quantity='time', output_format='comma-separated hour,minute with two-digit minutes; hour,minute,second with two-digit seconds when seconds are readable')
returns 11,24
